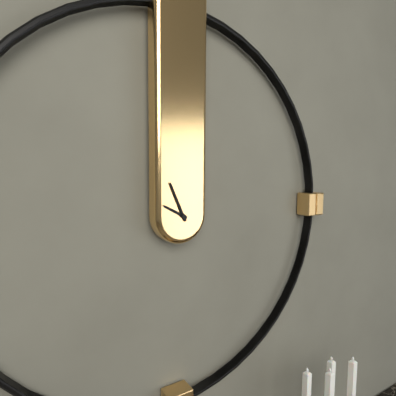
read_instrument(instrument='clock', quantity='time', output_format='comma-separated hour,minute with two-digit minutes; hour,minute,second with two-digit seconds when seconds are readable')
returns 9,56
